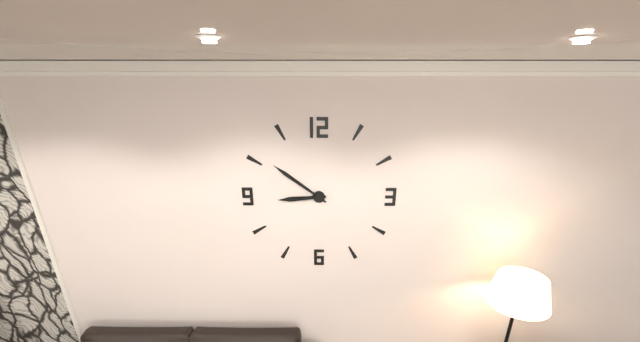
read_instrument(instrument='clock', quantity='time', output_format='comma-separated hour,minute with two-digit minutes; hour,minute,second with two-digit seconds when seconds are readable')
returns 8,51
